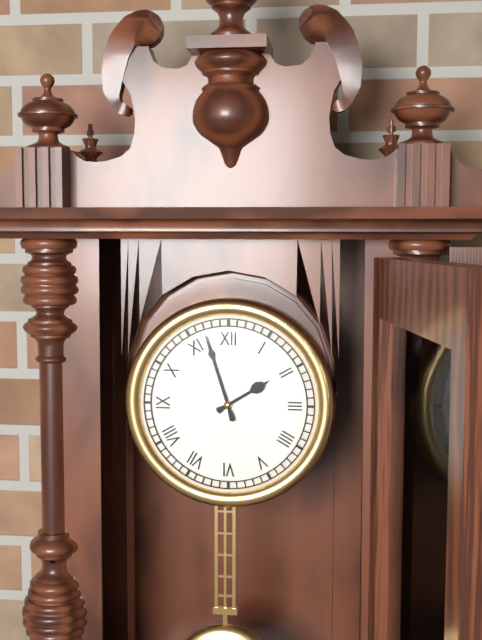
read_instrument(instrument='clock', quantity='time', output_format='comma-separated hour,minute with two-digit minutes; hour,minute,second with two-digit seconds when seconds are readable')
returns 1,57
